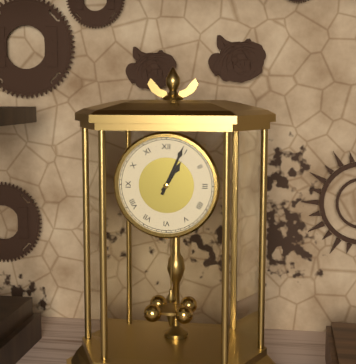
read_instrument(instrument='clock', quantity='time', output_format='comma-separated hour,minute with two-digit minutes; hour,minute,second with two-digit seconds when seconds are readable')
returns 1,04
